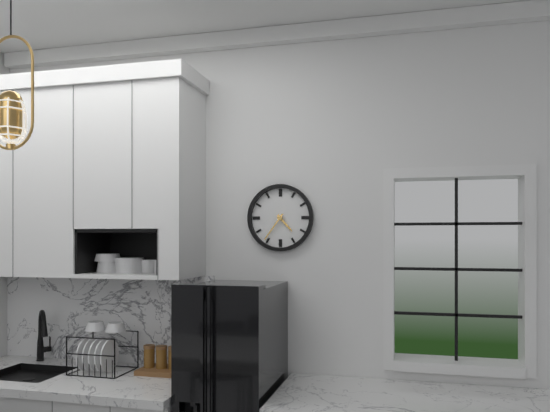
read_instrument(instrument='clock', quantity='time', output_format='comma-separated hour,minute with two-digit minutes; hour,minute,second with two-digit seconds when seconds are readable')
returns 4,36
